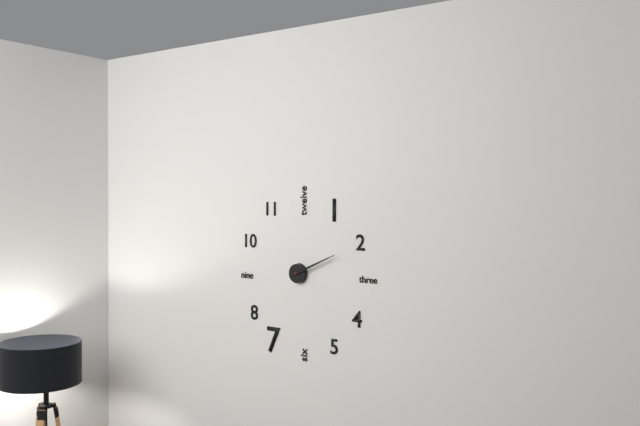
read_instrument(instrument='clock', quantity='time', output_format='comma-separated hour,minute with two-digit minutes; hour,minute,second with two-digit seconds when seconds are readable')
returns 2,11
